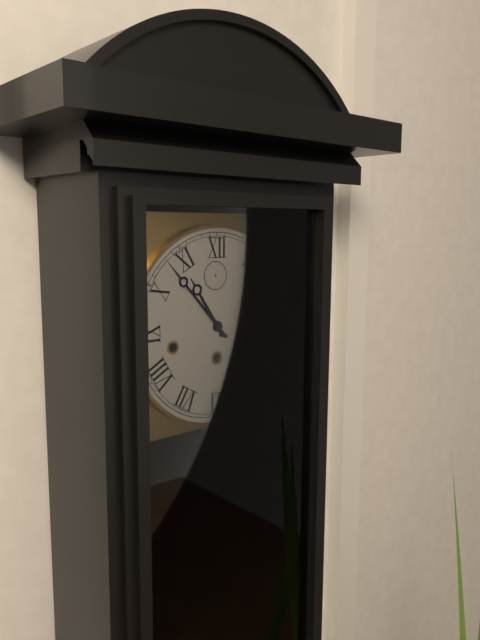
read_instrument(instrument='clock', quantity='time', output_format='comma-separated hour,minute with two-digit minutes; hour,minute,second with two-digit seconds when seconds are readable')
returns 10,53
